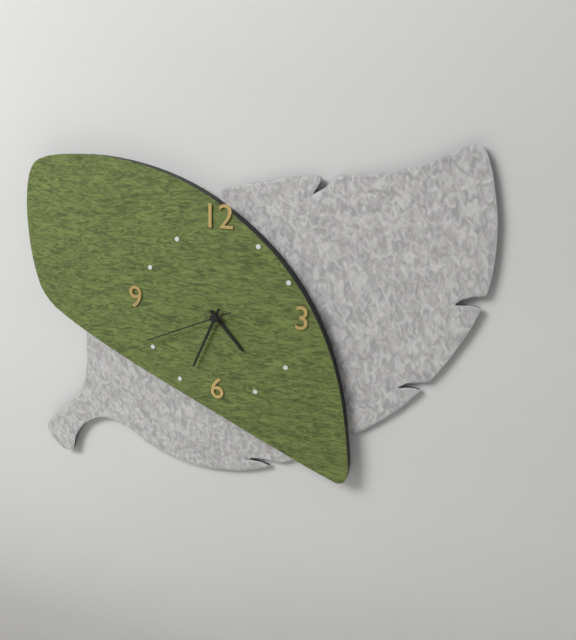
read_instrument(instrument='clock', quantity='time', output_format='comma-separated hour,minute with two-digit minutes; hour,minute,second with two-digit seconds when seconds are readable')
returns 4,34,41
